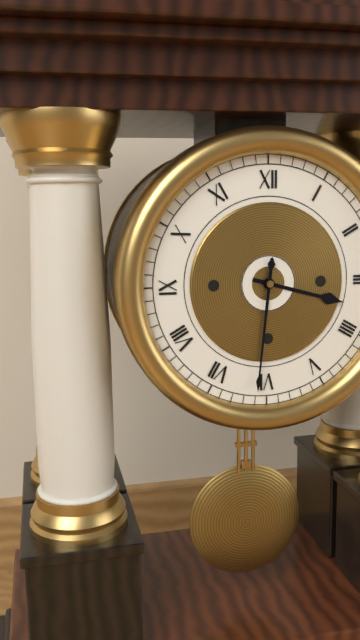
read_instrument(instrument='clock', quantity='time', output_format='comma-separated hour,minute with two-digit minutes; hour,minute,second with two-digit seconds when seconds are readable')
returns 3,31
